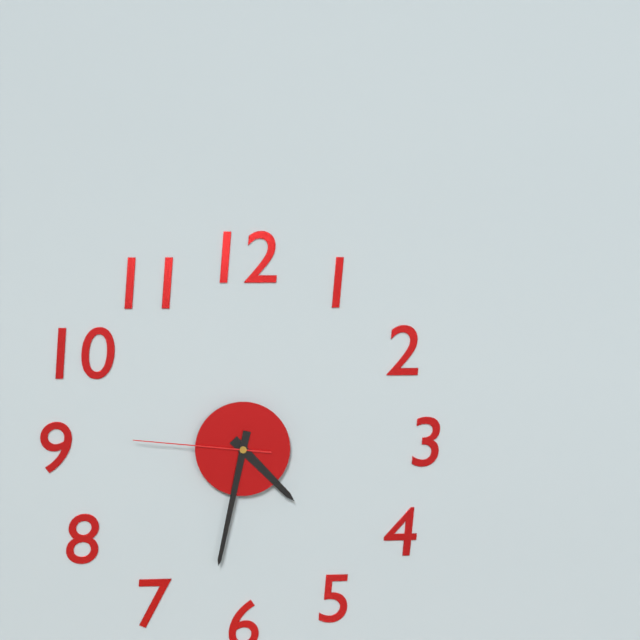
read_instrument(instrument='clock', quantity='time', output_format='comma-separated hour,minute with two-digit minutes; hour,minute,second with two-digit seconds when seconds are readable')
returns 4,32,46
